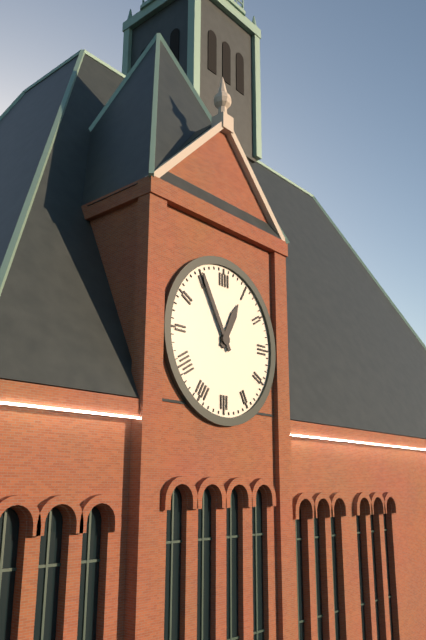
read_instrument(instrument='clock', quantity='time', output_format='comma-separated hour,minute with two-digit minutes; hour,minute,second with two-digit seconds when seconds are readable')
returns 12,55
